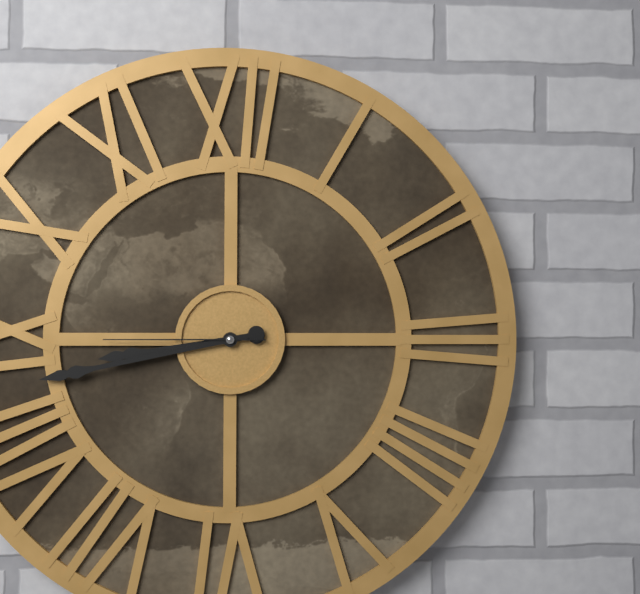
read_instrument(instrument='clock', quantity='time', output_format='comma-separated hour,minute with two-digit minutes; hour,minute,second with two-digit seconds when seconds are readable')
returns 8,43,45
